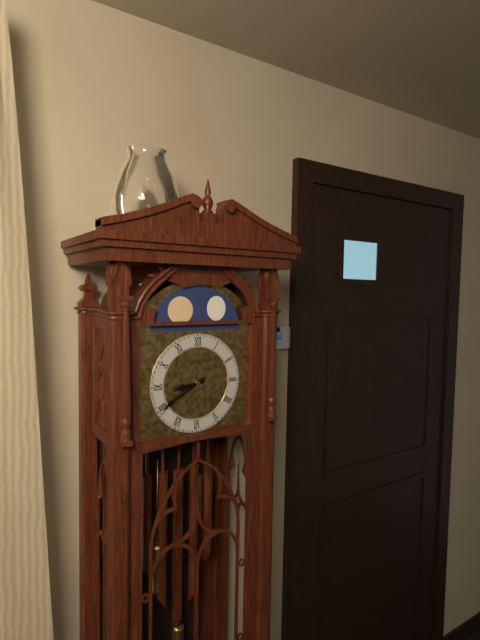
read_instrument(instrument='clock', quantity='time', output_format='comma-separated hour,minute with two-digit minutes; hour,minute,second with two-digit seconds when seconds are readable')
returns 8,40
